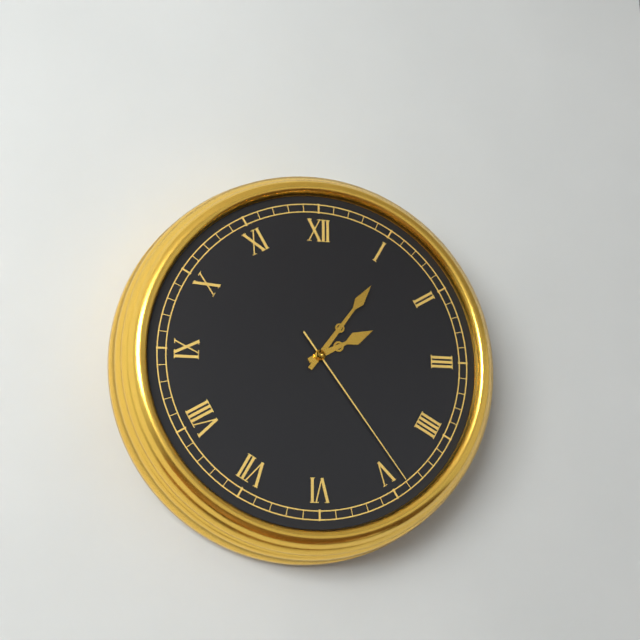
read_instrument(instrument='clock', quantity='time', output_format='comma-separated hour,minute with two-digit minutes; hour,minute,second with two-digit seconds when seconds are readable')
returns 2,06,24
